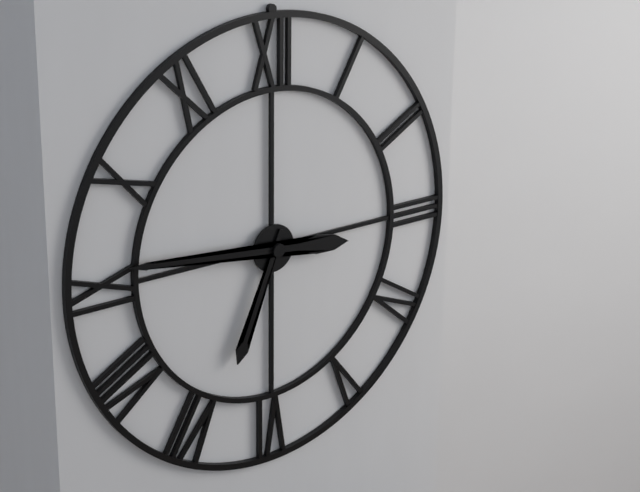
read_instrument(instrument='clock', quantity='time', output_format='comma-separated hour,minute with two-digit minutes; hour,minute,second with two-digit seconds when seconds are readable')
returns 6,46
